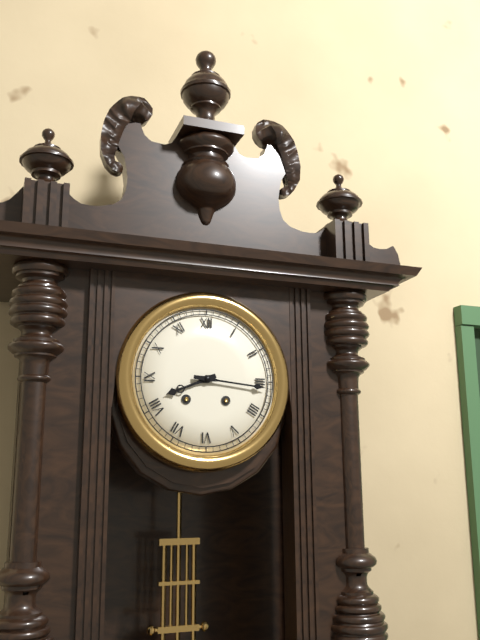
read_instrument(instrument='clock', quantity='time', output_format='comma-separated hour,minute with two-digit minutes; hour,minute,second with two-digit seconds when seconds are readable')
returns 8,16
